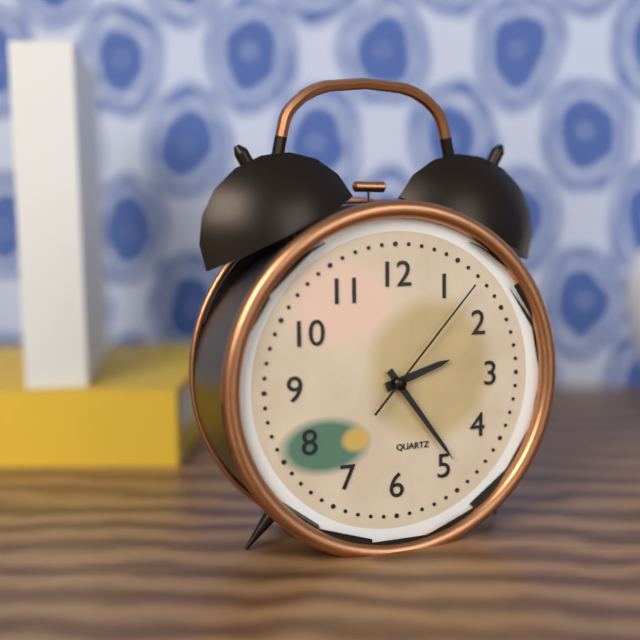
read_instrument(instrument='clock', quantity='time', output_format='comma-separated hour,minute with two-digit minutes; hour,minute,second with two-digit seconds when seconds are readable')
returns 2,24,07
